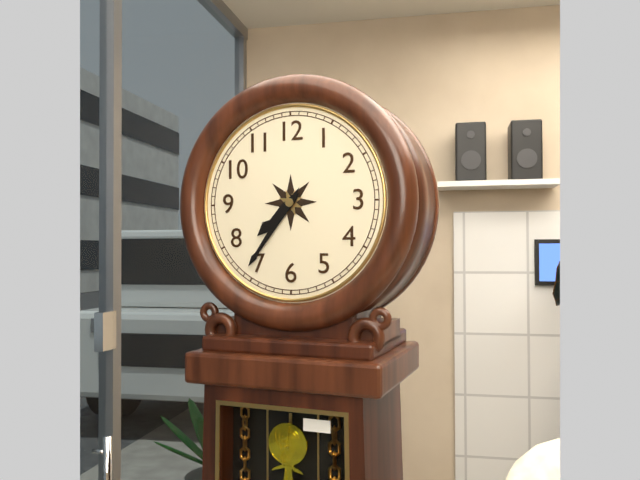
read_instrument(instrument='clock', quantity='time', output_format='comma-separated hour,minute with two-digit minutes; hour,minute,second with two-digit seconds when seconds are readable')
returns 7,36
